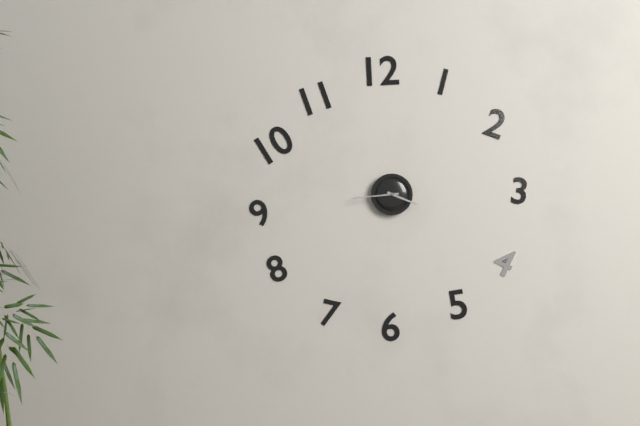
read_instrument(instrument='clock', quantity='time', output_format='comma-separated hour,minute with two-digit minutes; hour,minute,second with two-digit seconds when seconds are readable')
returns 3,44
